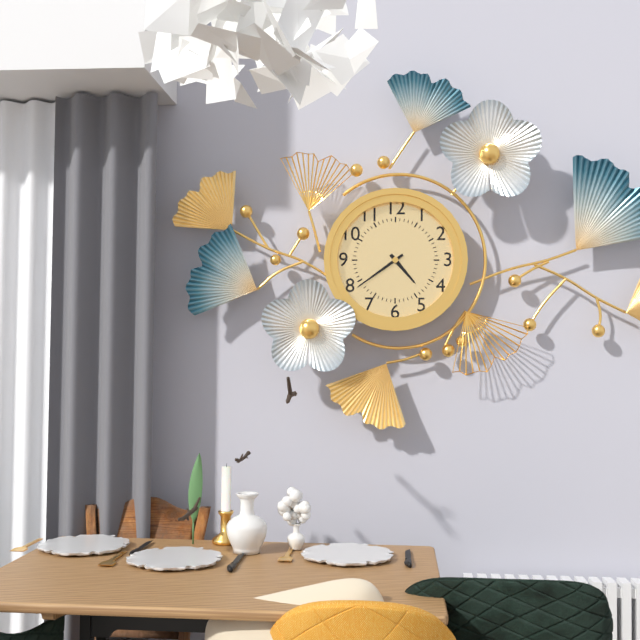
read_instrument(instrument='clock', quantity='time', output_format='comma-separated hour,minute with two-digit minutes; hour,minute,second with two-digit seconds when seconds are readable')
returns 4,39
